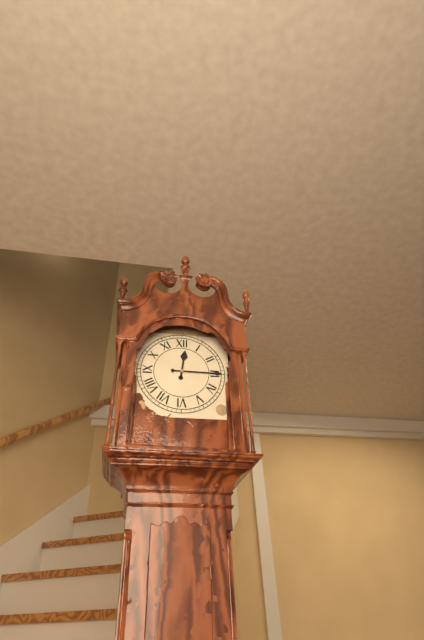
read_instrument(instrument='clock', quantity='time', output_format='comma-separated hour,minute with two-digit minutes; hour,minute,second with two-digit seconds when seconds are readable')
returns 12,15
